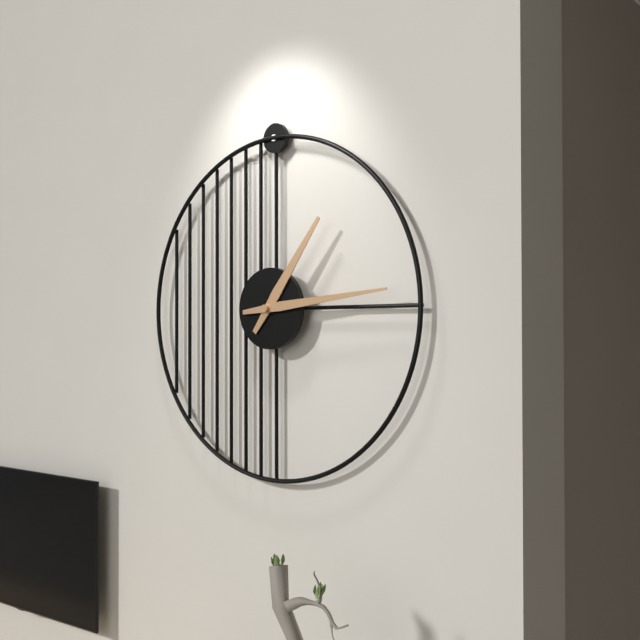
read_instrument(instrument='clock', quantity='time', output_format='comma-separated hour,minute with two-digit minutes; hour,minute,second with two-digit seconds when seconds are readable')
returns 1,14
